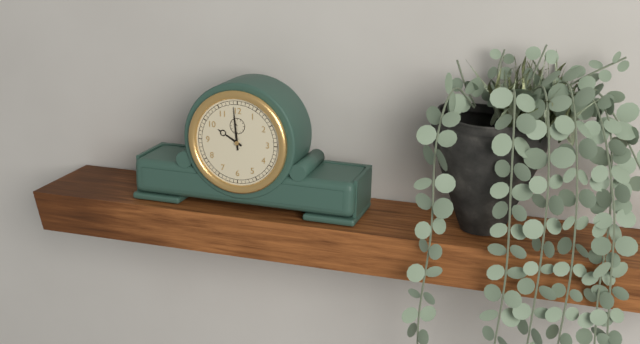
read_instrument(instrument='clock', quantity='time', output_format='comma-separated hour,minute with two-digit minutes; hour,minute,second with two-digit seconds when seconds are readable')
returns 9,59
